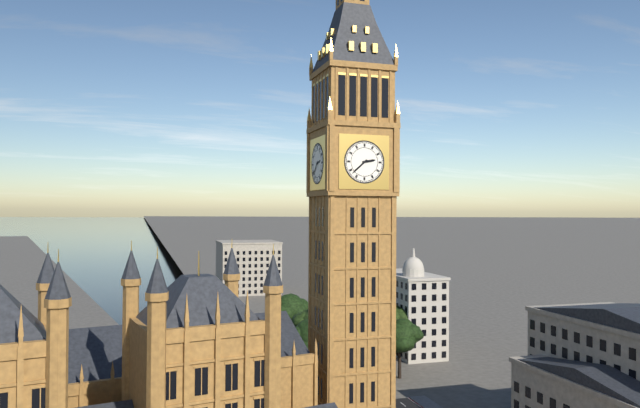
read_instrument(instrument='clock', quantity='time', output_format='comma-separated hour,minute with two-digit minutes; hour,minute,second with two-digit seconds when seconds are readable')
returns 2,38
